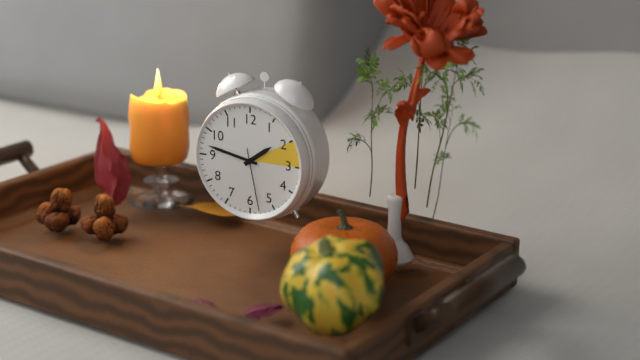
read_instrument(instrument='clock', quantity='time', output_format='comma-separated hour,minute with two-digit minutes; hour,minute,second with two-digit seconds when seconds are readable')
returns 1,47,28
